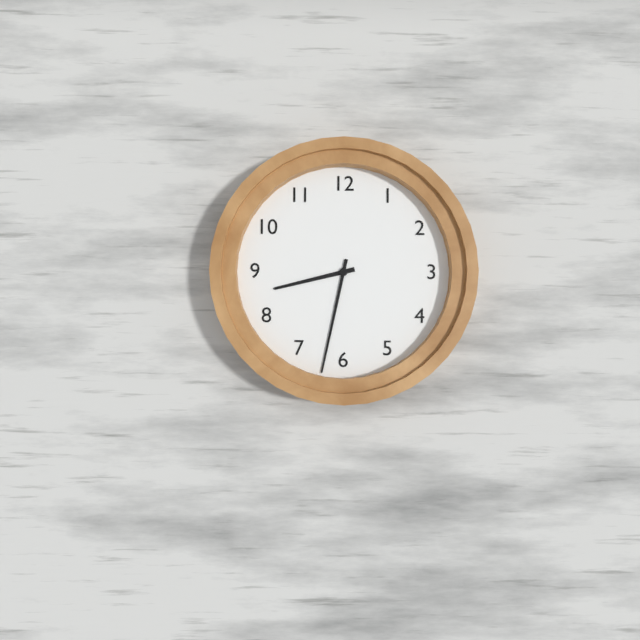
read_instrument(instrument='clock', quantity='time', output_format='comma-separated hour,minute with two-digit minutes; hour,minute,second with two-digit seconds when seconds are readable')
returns 8,32
